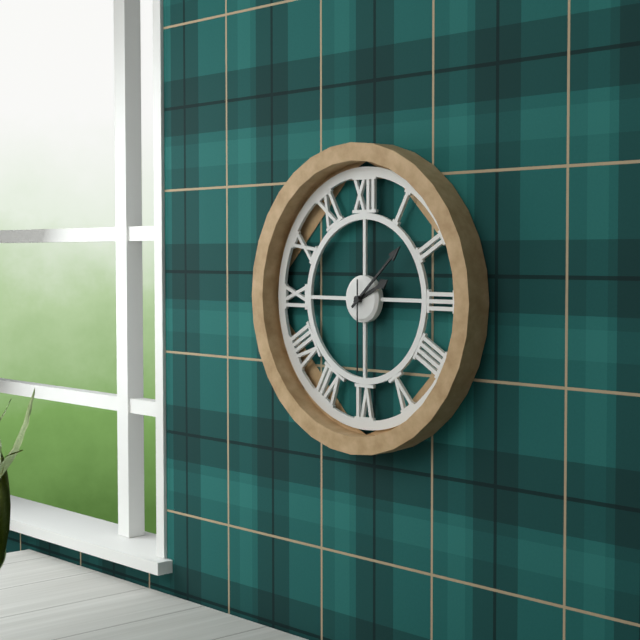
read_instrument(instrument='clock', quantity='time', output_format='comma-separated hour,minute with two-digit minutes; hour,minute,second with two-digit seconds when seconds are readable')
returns 2,08,30
